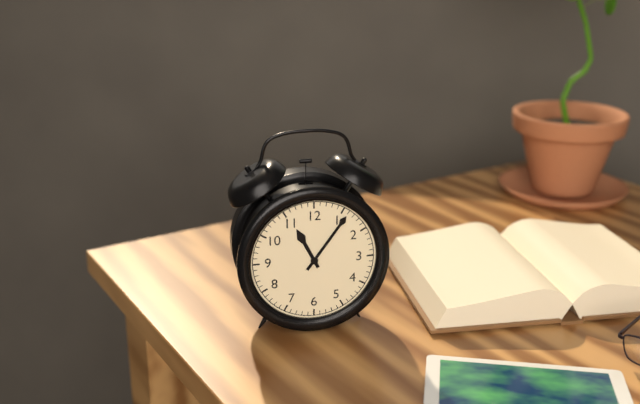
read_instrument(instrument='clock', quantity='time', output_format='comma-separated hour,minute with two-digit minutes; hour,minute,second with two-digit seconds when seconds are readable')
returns 11,06
